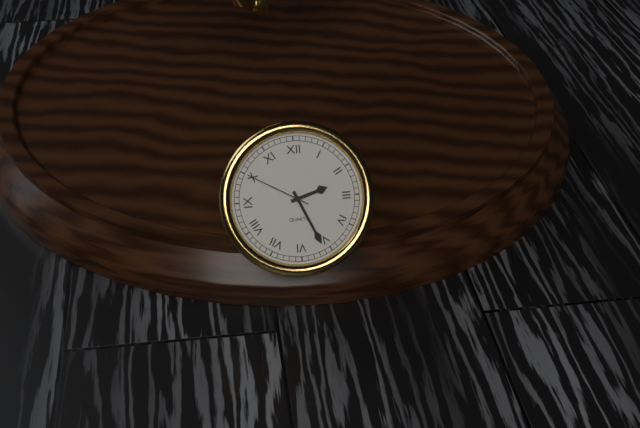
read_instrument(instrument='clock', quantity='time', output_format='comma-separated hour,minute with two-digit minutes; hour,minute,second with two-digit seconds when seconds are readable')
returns 2,26,50
